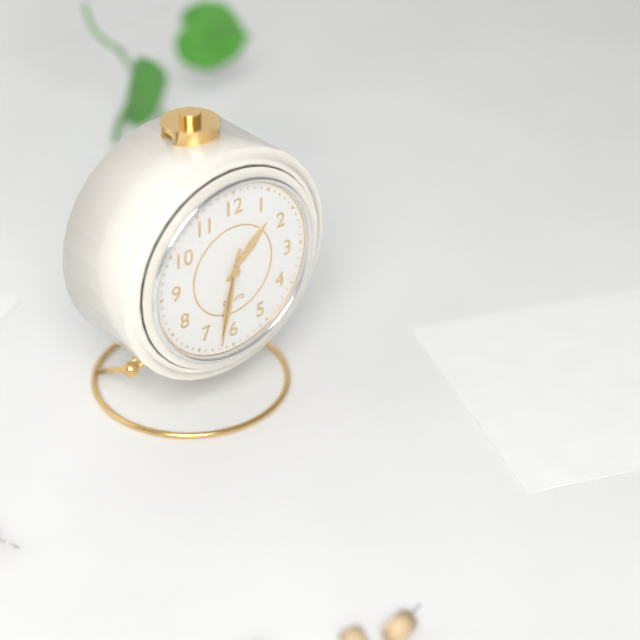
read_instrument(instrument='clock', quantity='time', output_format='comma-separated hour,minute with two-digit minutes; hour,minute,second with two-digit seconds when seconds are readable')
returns 1,32,32
